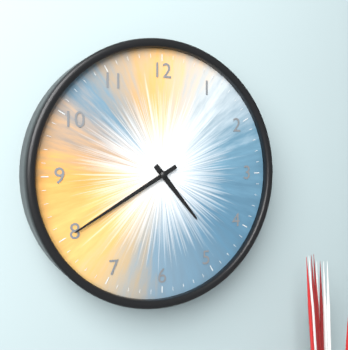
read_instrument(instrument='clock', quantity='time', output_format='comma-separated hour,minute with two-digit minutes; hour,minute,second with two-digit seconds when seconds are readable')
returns 4,40
